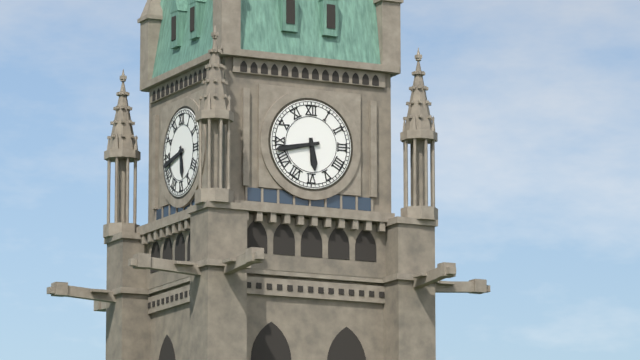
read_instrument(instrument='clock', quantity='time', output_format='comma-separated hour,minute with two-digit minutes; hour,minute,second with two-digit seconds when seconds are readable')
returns 5,43
